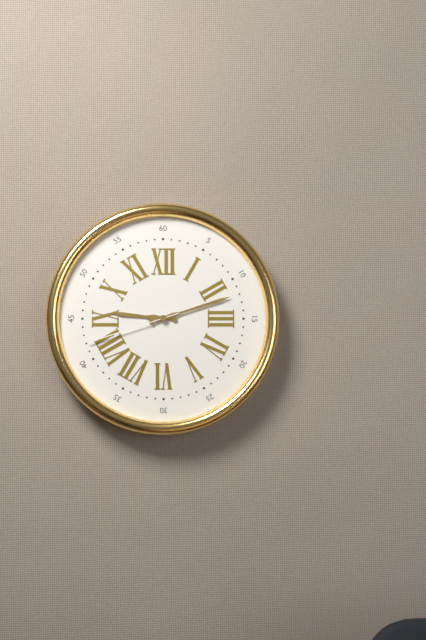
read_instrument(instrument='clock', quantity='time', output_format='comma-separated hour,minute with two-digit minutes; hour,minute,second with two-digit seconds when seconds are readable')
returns 9,12,42
